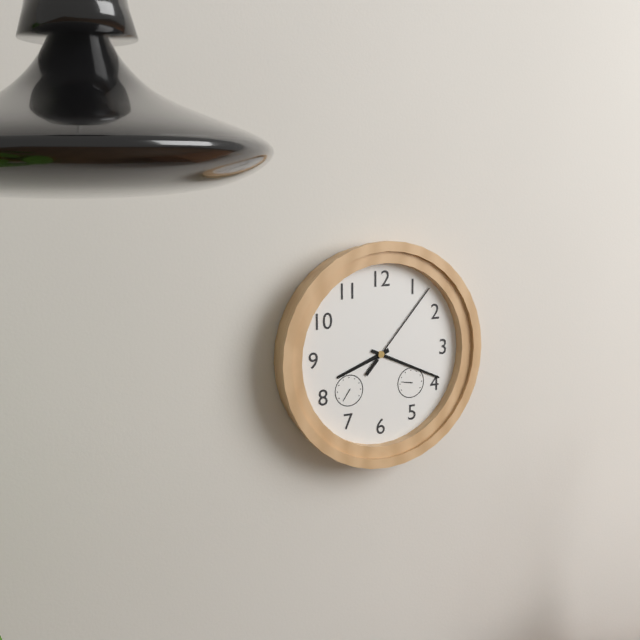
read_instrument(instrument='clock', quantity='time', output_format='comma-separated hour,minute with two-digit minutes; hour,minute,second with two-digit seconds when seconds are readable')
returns 8,19,07
